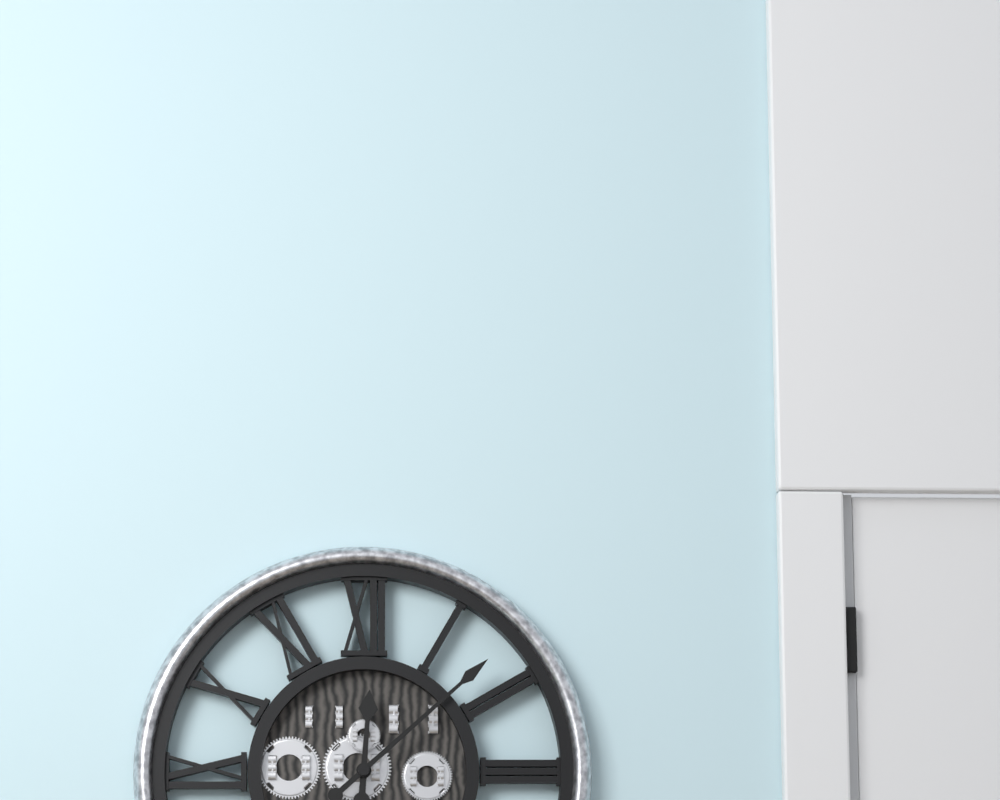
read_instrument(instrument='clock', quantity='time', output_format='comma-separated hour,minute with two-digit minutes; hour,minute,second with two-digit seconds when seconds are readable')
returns 12,08
